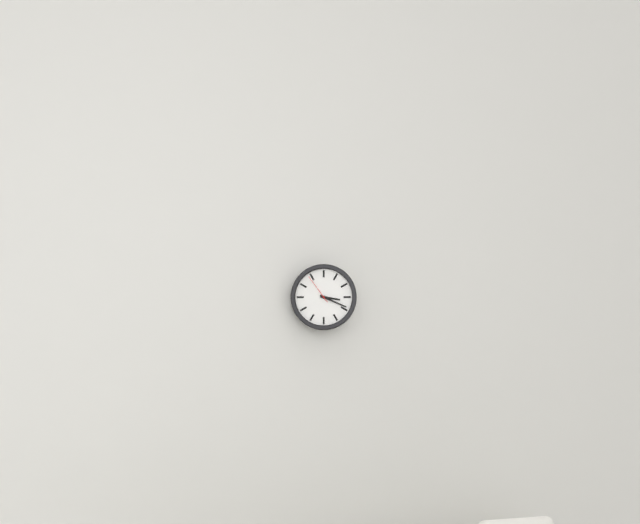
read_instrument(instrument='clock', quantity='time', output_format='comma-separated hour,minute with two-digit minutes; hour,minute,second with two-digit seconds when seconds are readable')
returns 3,19
